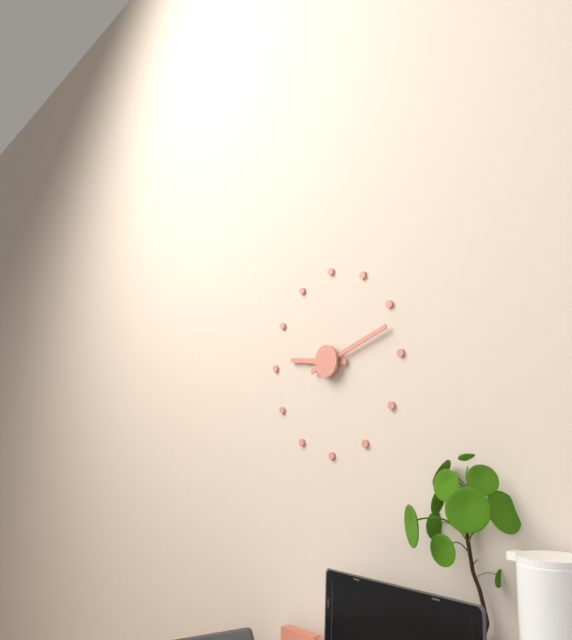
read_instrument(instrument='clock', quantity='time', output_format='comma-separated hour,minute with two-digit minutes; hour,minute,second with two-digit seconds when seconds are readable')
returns 9,12
